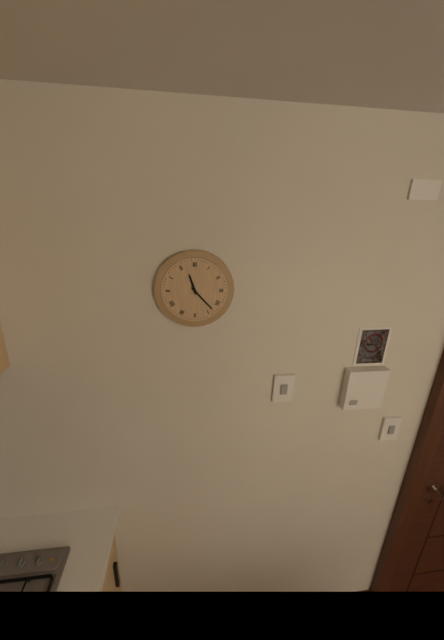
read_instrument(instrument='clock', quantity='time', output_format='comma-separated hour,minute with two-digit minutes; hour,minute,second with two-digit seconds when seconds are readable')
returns 11,23
